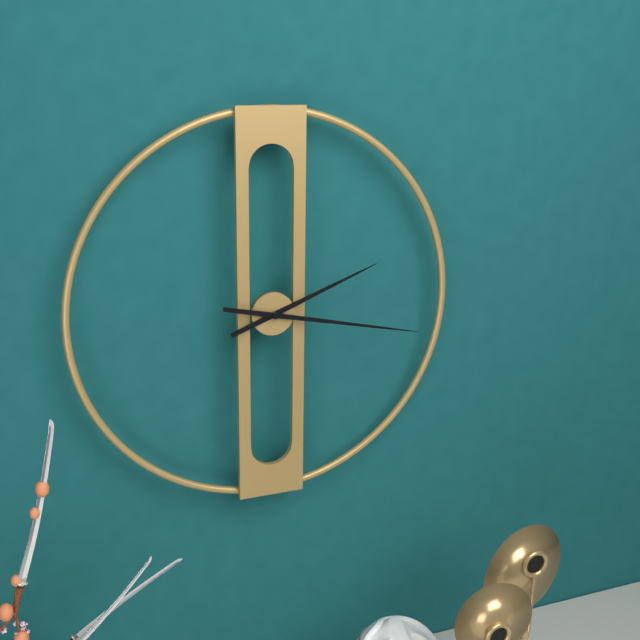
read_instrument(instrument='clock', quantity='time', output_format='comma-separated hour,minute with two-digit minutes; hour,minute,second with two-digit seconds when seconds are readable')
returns 2,17
